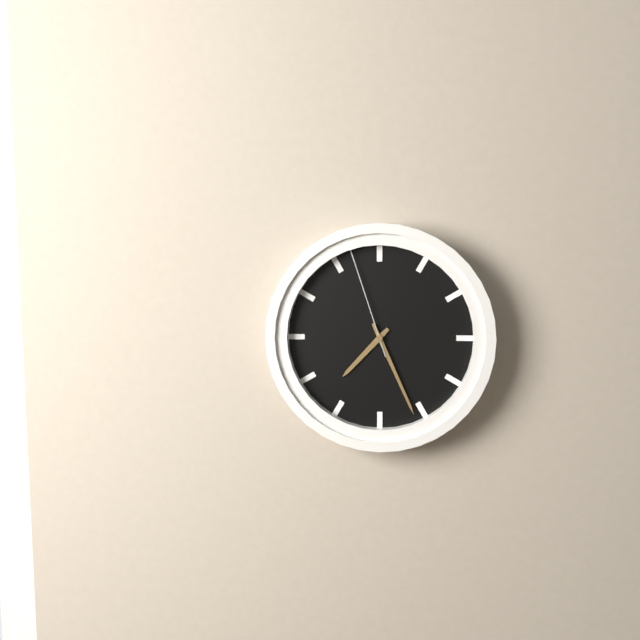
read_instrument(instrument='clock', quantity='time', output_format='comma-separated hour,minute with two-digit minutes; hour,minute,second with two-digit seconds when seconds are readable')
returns 7,26,57
